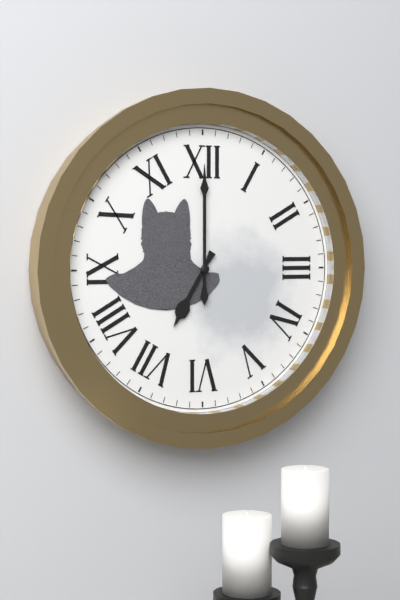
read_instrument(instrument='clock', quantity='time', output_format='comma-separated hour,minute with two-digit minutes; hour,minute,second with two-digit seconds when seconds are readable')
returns 7,00
